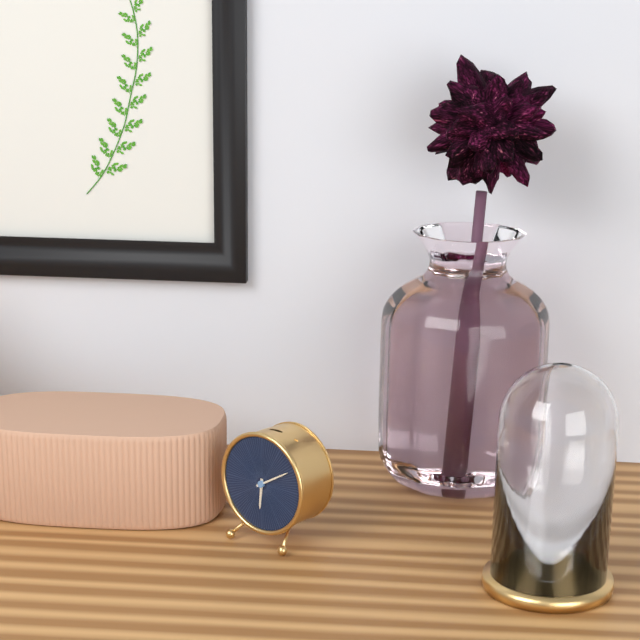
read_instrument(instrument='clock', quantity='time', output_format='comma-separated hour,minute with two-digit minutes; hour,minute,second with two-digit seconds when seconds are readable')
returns 6,10
